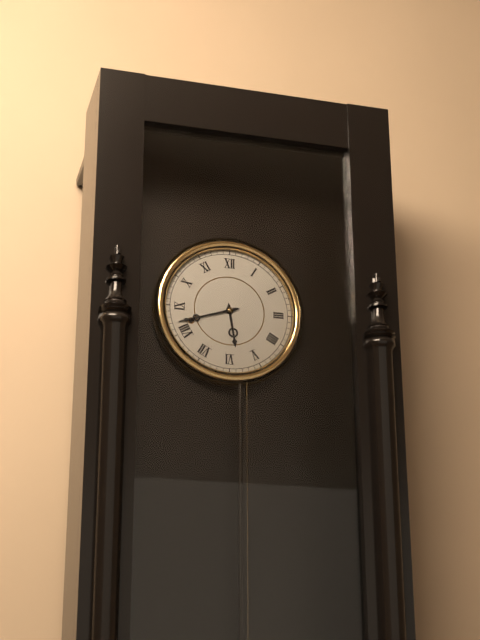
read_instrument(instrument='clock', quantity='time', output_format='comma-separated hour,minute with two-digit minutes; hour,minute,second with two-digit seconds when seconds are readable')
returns 5,42
